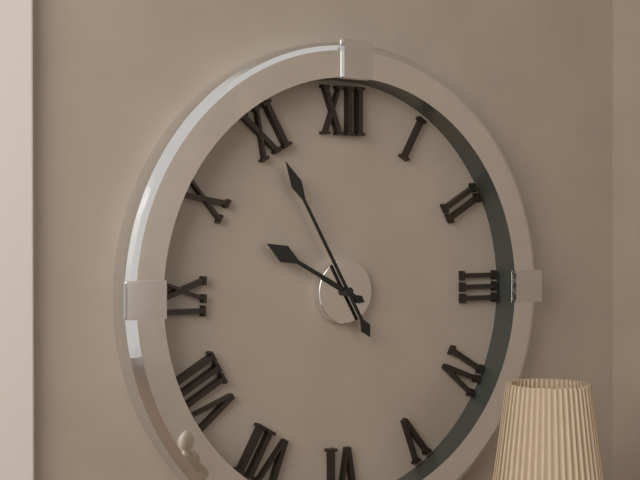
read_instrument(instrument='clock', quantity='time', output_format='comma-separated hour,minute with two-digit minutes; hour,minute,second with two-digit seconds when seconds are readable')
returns 9,55
